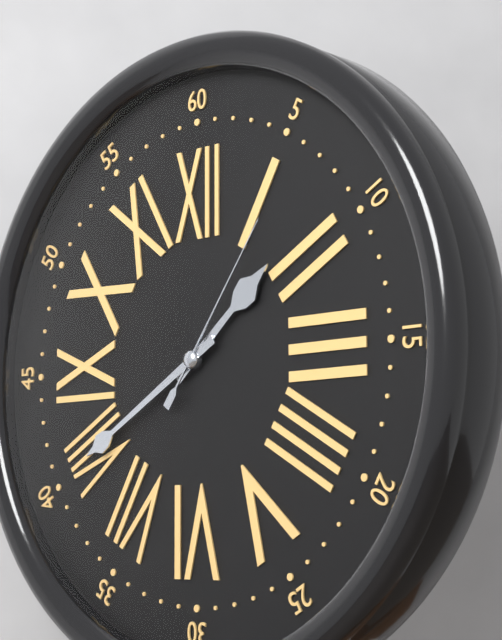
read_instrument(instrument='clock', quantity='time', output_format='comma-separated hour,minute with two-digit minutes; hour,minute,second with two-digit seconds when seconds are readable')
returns 1,40,06
